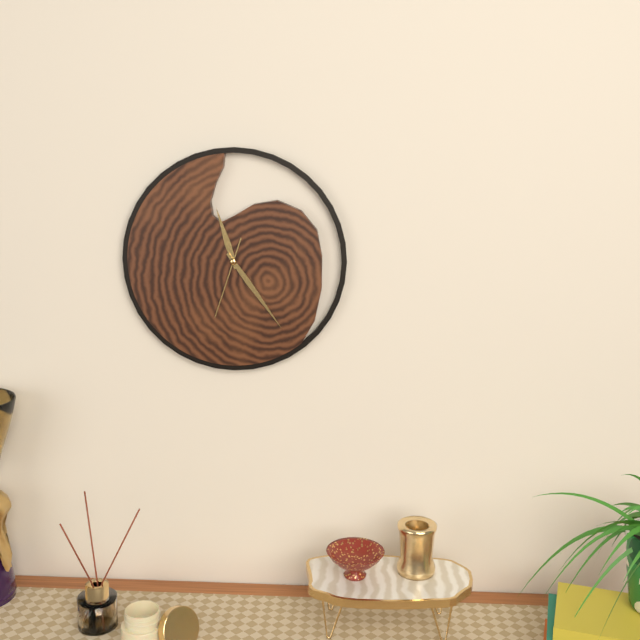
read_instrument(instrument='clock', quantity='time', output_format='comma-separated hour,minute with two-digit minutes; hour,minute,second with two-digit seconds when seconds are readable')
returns 11,24,33
